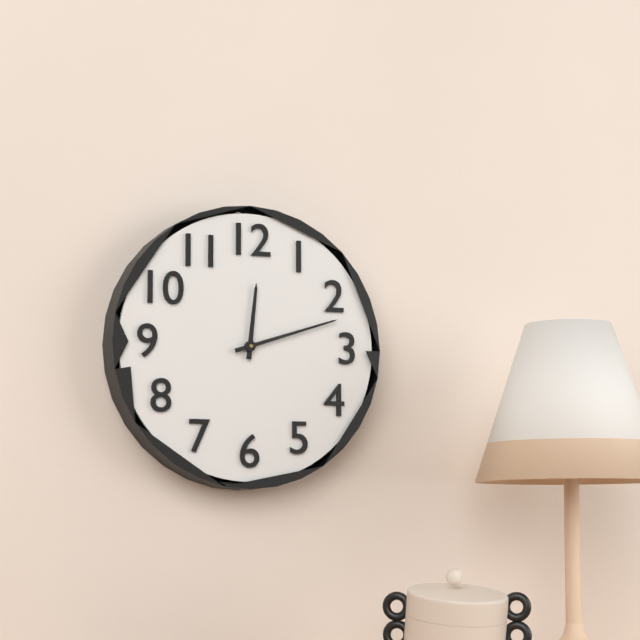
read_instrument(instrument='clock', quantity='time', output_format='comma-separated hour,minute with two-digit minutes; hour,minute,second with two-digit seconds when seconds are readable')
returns 12,12
